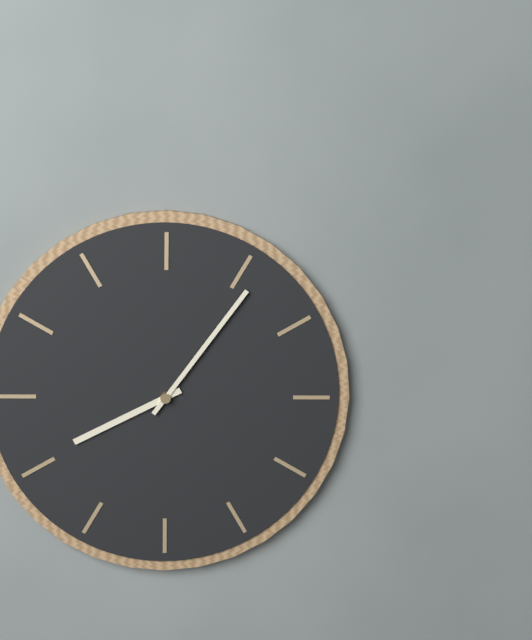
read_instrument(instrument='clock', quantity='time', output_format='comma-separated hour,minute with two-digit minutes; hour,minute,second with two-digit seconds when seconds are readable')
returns 8,06
